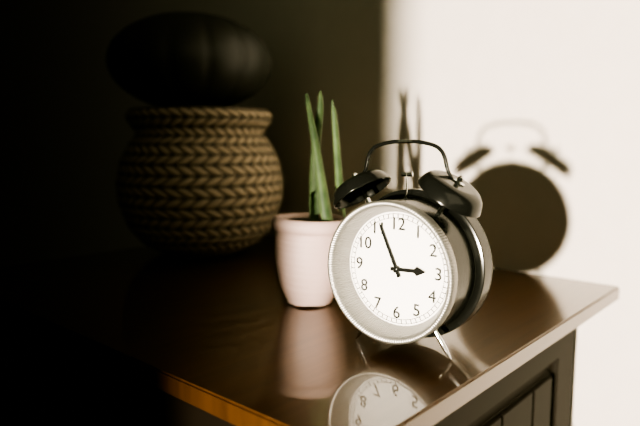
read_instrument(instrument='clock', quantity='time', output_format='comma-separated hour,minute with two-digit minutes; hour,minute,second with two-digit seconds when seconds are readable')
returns 2,56
